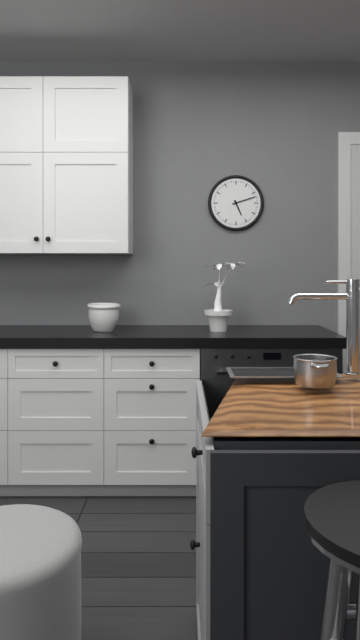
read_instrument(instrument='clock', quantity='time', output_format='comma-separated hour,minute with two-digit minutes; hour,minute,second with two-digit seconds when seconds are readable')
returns 5,12
